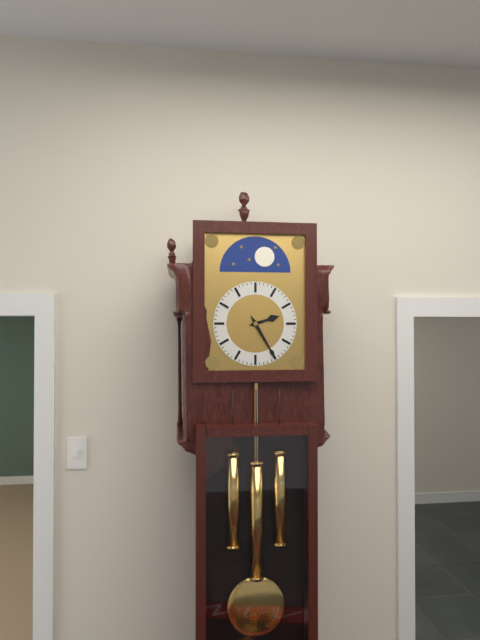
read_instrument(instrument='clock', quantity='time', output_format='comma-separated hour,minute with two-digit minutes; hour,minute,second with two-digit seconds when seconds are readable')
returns 2,25
